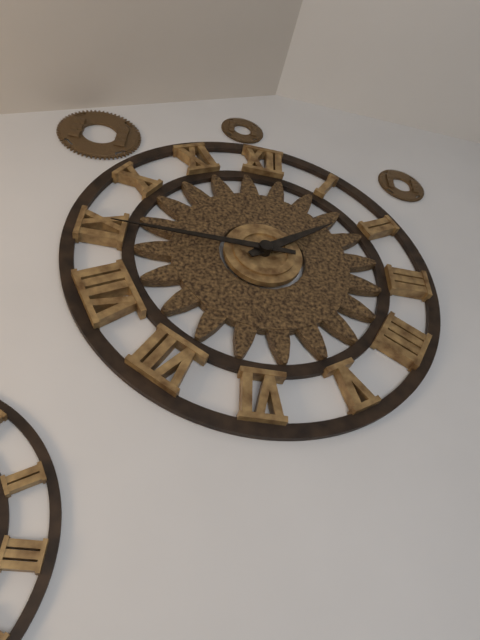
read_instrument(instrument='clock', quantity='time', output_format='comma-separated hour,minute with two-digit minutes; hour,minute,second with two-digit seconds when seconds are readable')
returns 1,45
